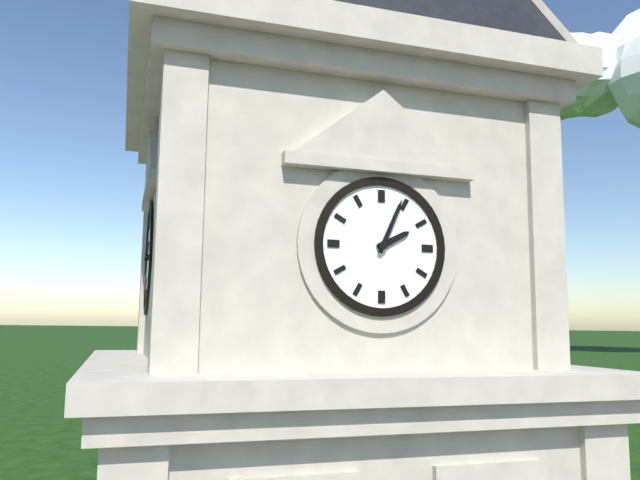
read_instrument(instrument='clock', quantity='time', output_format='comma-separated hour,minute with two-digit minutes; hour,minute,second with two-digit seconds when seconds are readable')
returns 2,04
